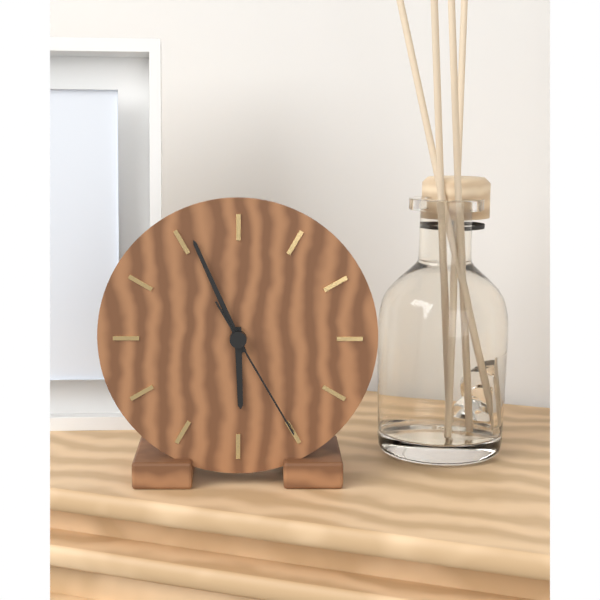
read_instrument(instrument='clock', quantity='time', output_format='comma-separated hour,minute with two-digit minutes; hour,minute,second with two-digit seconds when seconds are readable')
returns 5,56,25
